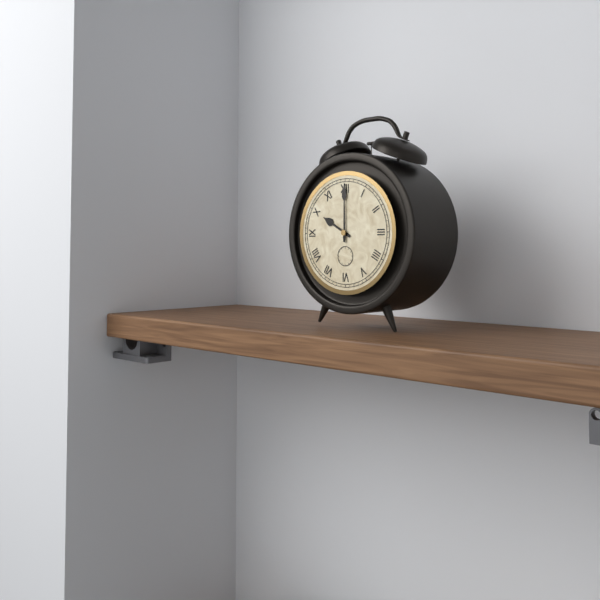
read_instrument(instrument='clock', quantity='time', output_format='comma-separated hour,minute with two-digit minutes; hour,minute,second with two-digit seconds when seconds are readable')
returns 10,00
